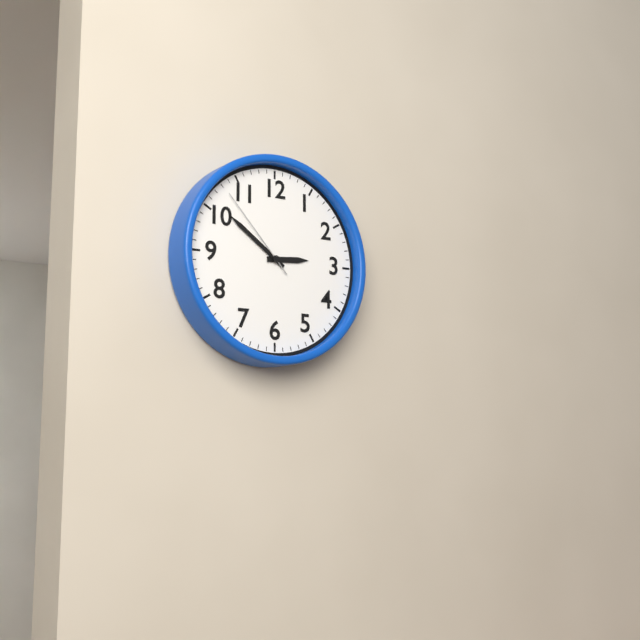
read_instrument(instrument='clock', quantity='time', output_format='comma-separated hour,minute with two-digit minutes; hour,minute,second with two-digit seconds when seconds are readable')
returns 2,51,53
